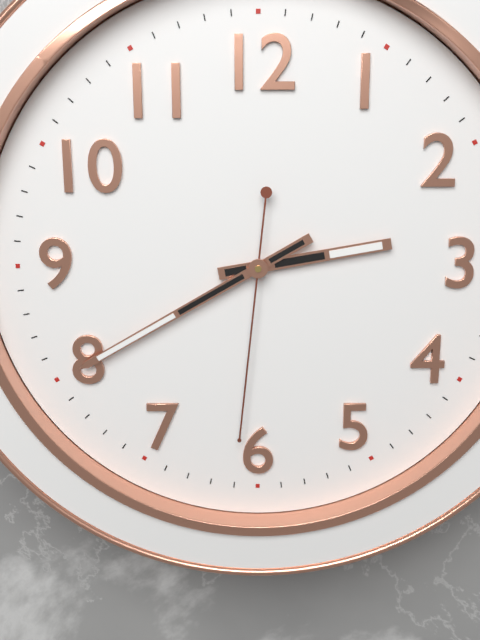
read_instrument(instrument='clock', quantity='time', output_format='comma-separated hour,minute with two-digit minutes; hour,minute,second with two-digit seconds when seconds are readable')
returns 2,40,31
